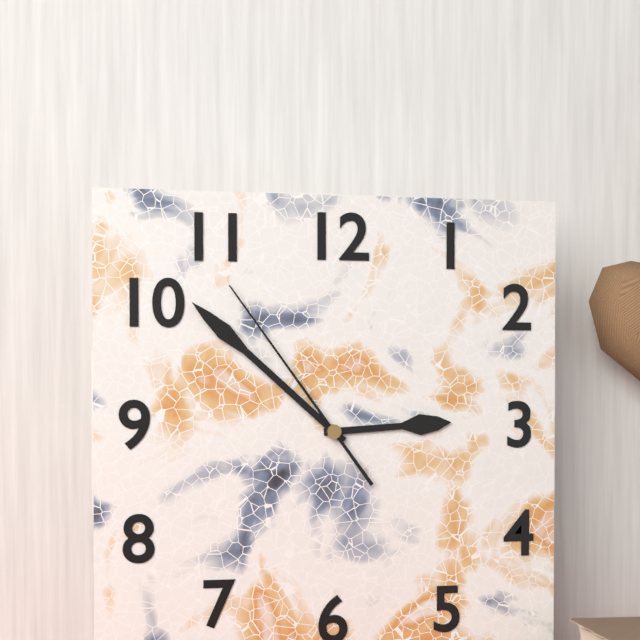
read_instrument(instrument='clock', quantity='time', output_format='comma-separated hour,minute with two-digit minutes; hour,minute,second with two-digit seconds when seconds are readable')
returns 2,52,54
